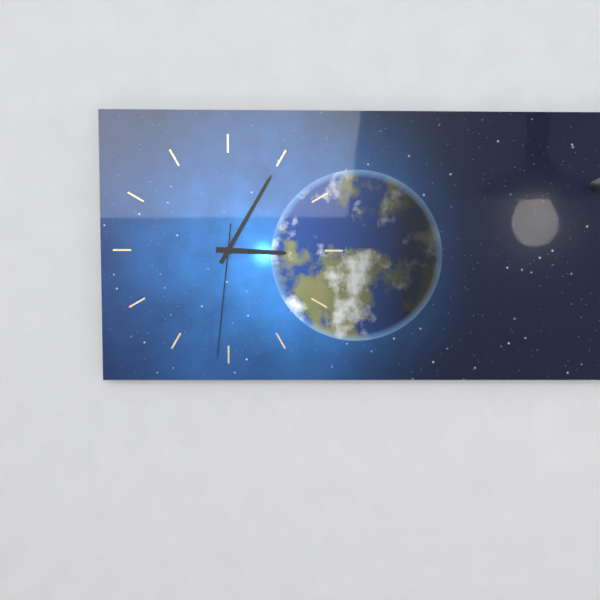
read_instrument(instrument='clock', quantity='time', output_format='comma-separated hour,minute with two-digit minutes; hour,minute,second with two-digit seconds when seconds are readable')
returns 3,05,31
